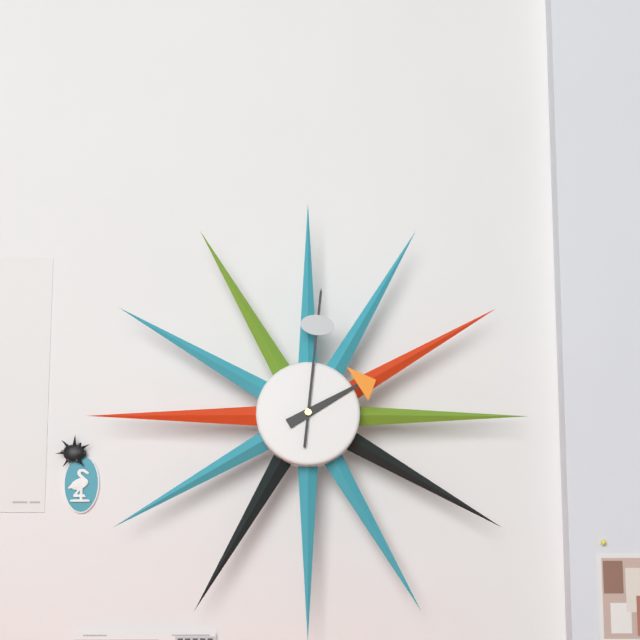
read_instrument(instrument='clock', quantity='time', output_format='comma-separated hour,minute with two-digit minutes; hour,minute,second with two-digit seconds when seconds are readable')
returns 2,01
